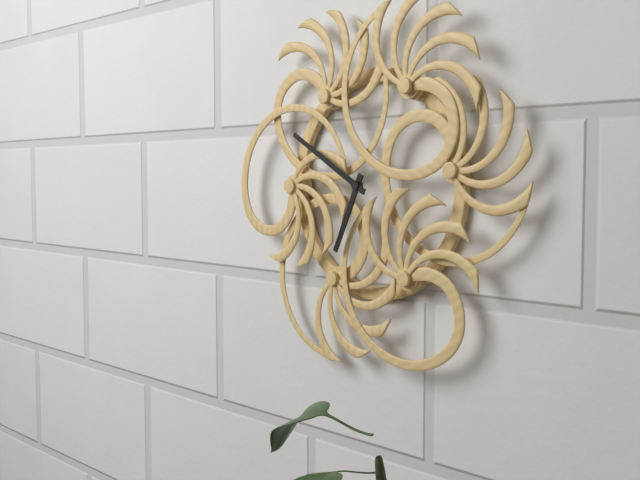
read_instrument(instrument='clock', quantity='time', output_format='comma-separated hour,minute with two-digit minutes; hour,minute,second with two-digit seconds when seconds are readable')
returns 6,50
